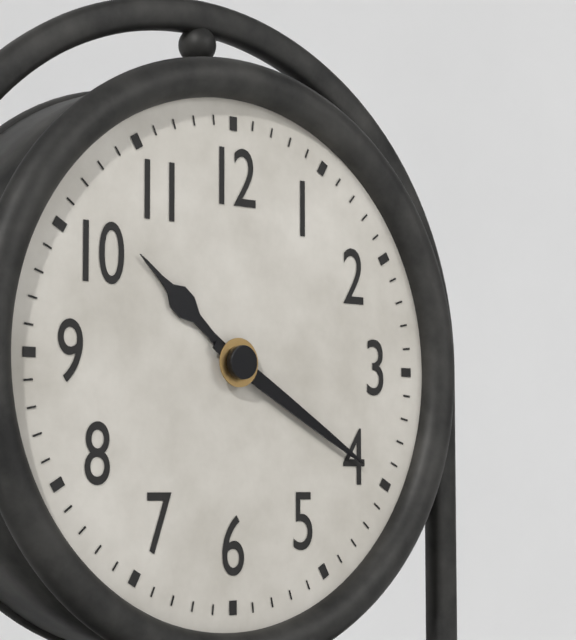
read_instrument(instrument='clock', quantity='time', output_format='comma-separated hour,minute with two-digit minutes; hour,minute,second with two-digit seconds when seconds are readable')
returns 10,20
